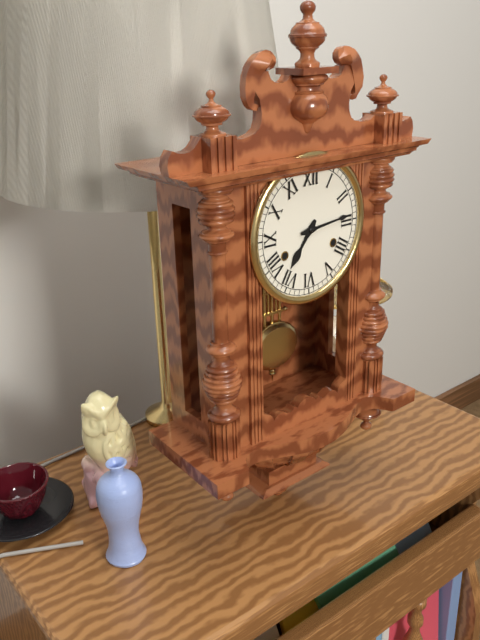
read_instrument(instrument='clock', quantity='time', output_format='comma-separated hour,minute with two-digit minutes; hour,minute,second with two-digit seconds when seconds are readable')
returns 7,14
